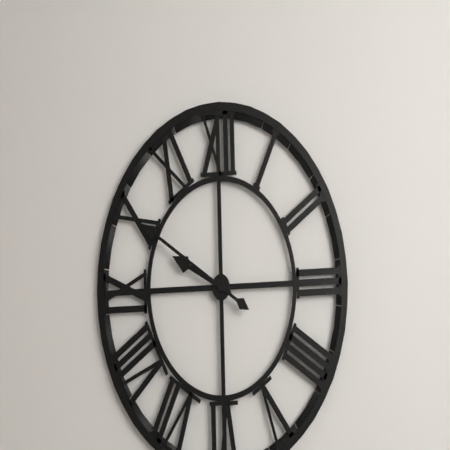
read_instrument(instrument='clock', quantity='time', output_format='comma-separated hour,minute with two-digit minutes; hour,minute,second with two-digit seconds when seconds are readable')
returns 9,50
